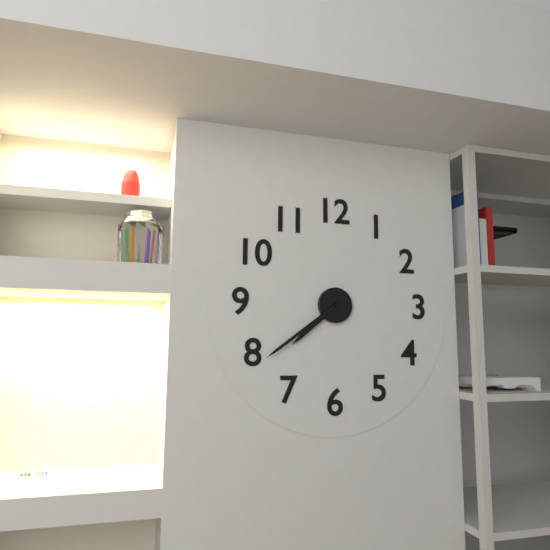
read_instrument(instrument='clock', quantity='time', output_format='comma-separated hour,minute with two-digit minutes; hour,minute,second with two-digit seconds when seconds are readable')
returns 7,39
